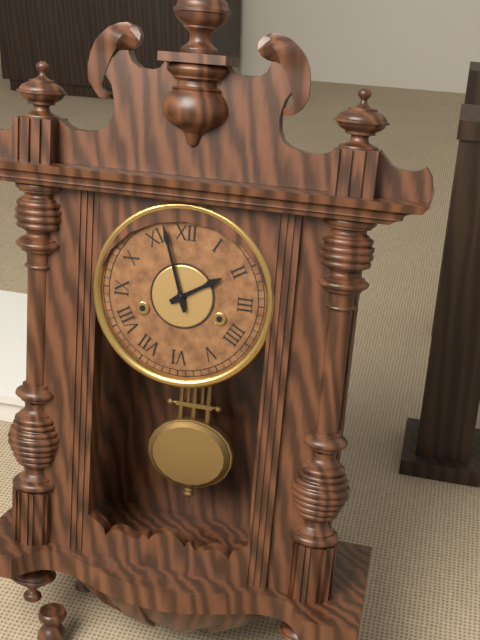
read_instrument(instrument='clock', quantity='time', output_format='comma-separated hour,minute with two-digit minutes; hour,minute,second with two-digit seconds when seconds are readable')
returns 1,57
